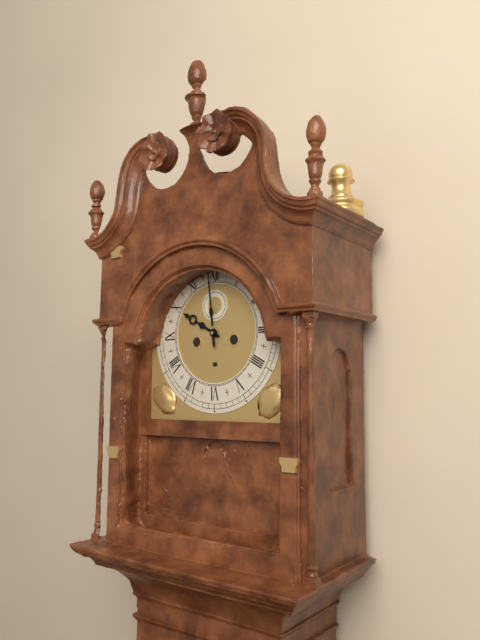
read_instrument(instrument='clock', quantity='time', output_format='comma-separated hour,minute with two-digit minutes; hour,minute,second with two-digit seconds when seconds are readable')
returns 9,59
